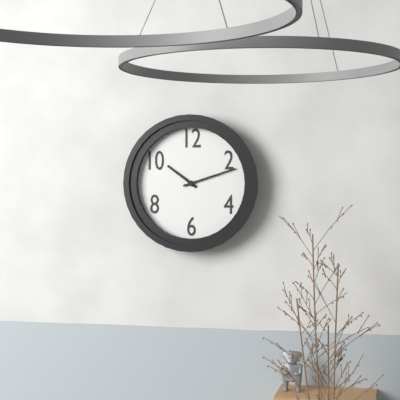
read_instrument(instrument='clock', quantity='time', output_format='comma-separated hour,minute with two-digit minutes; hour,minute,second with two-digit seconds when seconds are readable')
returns 10,12
